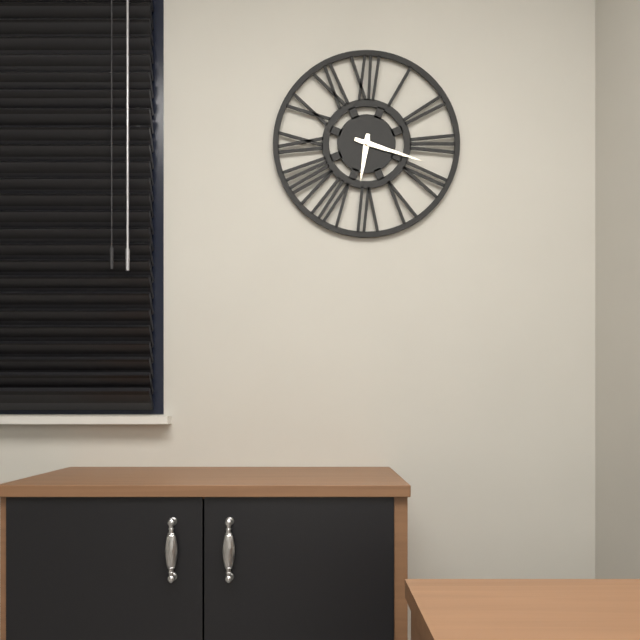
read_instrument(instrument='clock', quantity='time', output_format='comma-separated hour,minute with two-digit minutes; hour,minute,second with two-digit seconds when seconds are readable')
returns 6,18
